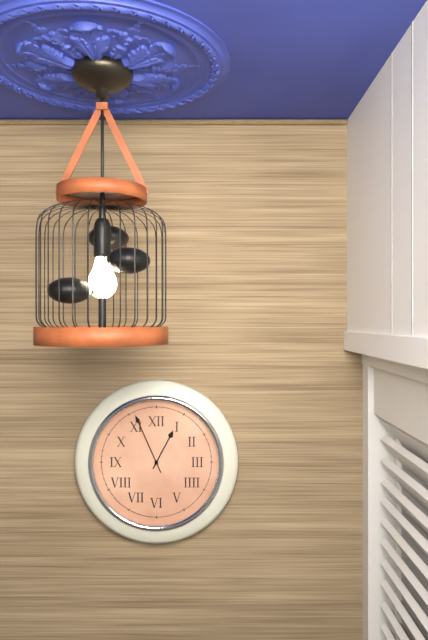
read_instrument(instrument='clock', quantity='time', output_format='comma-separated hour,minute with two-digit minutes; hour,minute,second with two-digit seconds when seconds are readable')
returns 12,56
